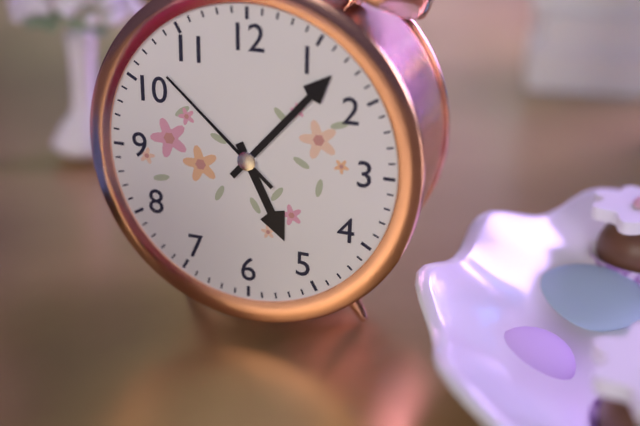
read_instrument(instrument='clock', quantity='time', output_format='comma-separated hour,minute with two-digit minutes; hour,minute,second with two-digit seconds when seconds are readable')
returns 5,07,52
